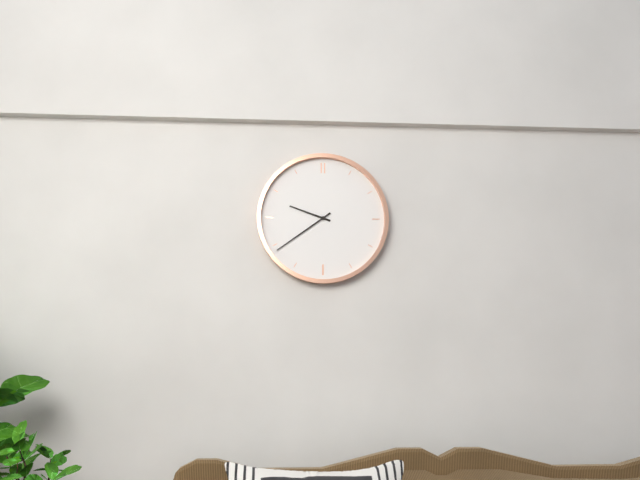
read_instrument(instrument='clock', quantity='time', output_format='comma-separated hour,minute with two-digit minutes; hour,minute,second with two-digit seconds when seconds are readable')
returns 9,39
